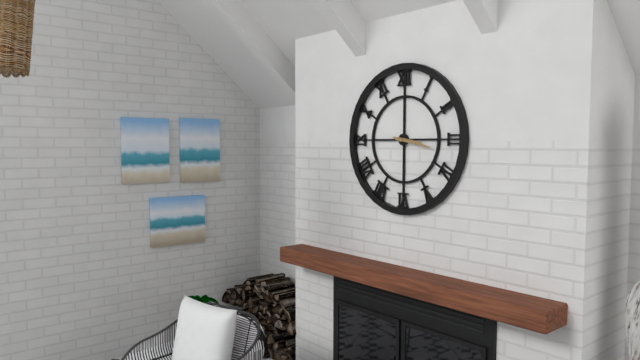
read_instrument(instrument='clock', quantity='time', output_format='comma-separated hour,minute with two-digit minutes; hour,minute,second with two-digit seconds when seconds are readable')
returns 3,17
